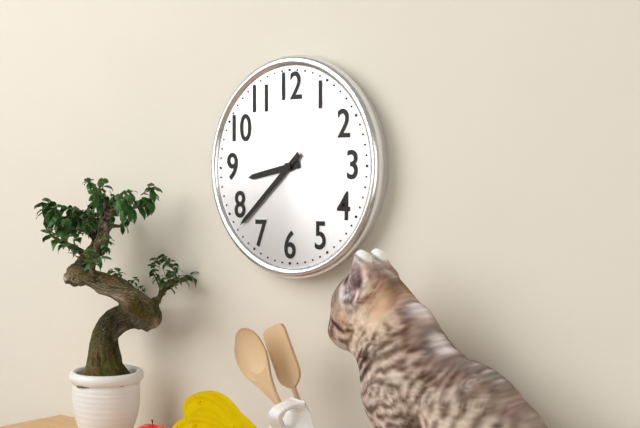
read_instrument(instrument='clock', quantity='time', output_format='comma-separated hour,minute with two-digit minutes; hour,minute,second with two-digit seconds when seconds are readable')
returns 8,38
